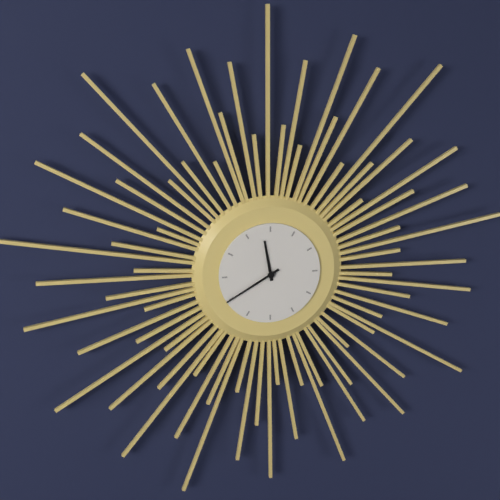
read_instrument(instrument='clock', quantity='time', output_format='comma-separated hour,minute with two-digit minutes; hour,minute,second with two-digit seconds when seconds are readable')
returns 11,40
